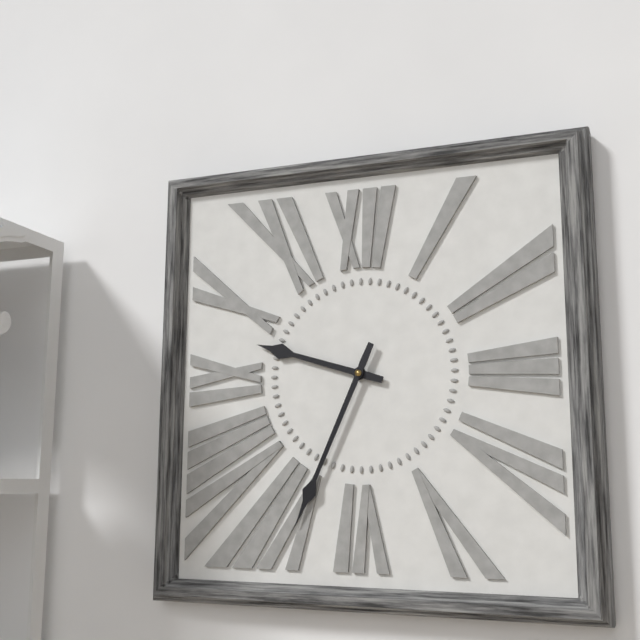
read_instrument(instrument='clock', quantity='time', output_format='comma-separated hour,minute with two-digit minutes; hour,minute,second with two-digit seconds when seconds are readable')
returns 9,34
